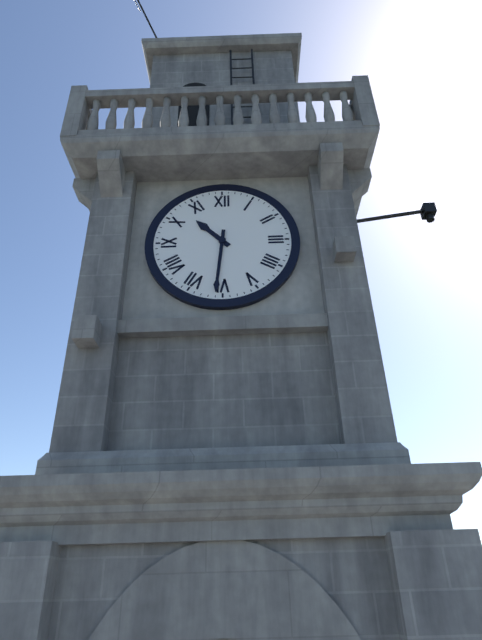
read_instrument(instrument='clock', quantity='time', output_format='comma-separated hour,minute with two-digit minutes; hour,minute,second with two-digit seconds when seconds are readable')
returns 10,31
